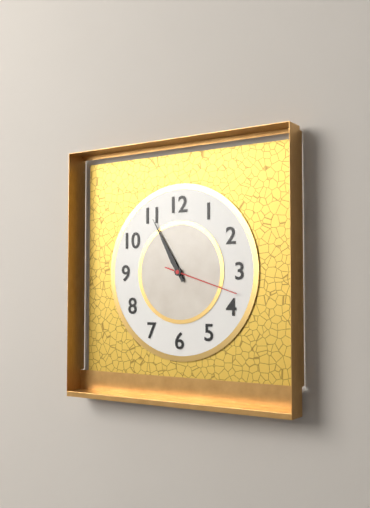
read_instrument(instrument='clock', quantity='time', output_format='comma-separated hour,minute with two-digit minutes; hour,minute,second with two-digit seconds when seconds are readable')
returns 10,55,18
